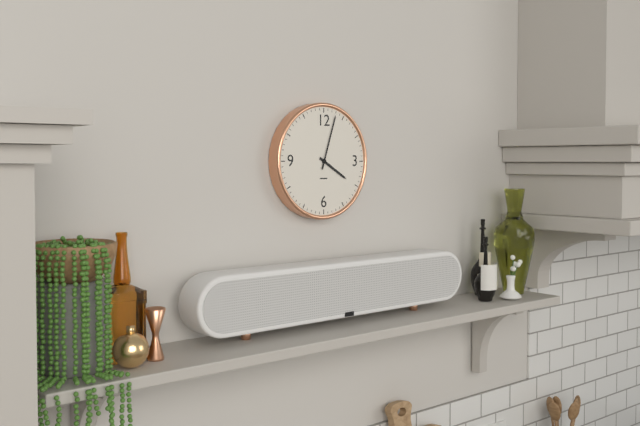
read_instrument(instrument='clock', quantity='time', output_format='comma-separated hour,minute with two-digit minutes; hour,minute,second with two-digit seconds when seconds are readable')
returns 4,03
